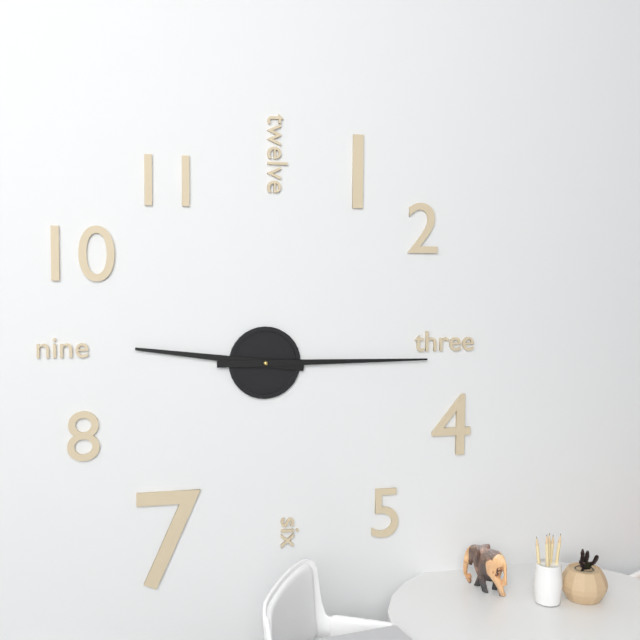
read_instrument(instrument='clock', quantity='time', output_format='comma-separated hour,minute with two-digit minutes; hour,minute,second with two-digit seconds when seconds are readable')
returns 9,15
